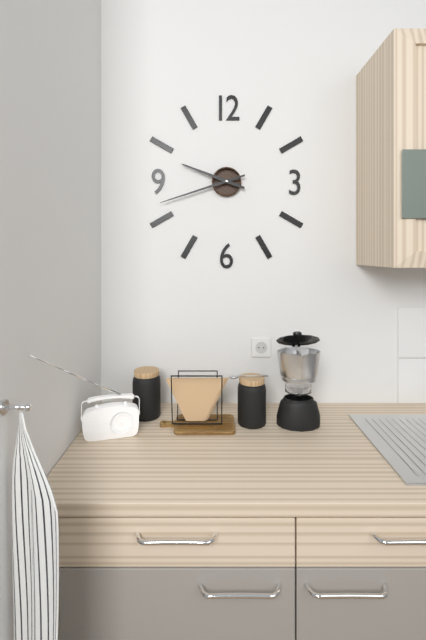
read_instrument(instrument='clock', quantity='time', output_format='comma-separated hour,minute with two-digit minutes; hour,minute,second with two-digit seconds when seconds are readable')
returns 9,42
